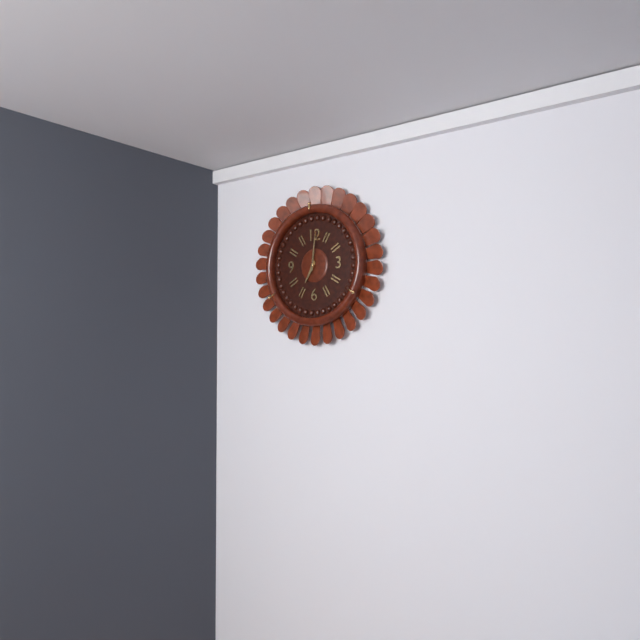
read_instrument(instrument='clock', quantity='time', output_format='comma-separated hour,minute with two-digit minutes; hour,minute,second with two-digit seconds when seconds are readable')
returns 7,01
